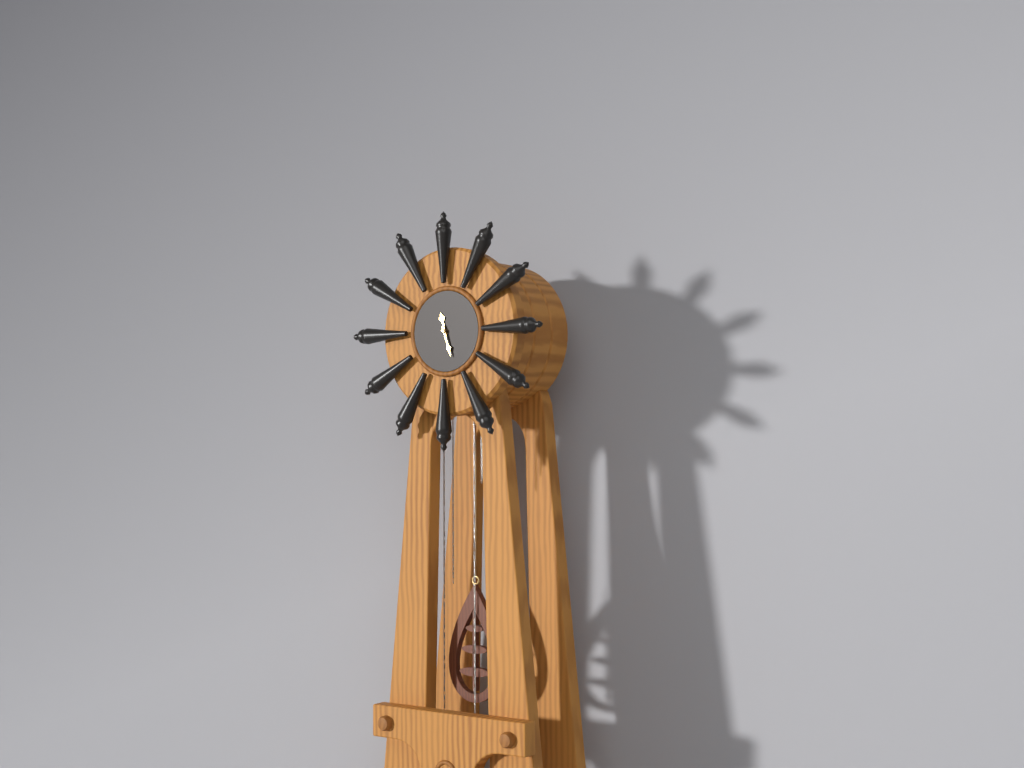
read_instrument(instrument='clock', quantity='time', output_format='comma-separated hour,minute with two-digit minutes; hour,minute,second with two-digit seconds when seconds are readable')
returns 11,27
